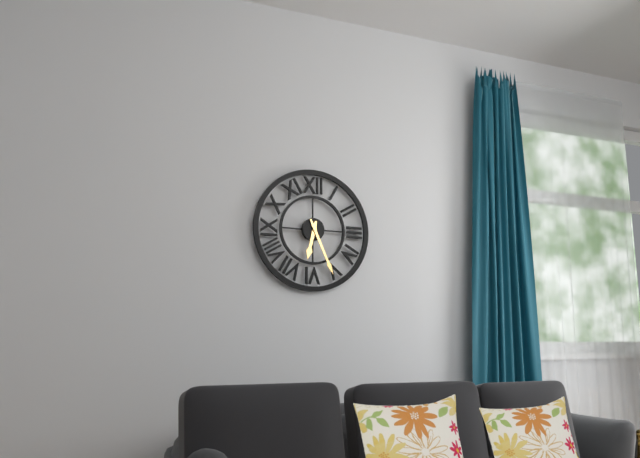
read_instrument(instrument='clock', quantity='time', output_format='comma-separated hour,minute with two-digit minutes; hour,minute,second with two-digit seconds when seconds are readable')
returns 6,26
